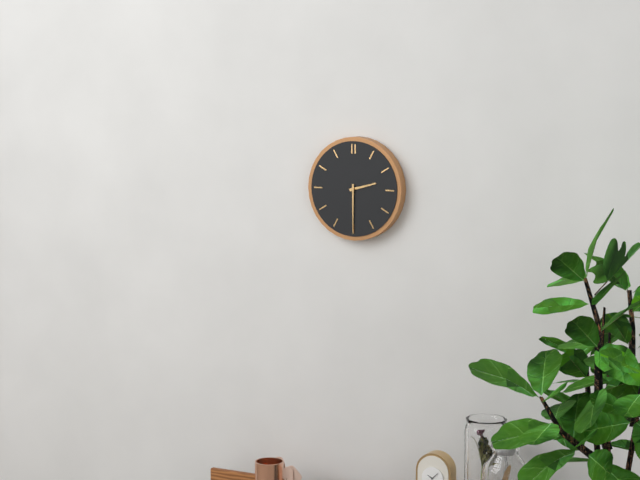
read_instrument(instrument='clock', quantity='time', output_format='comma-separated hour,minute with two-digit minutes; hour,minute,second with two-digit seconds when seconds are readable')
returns 2,30
